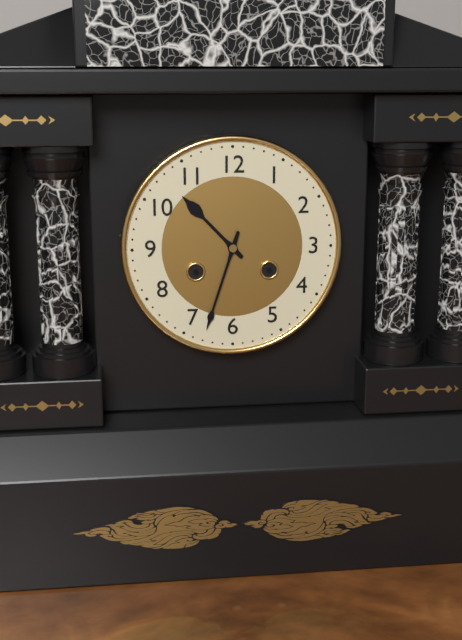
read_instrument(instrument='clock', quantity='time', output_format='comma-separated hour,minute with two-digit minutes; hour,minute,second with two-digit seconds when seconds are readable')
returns 10,33
